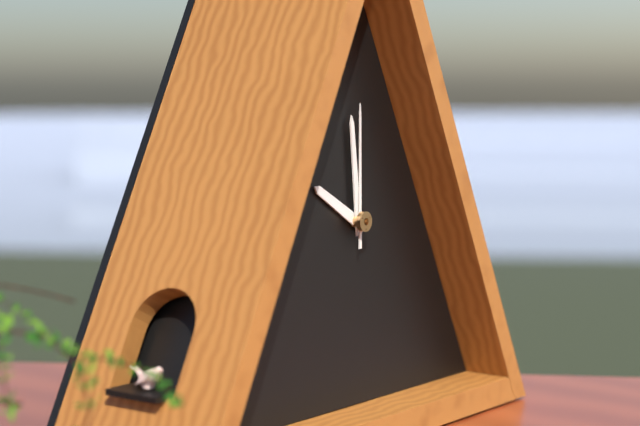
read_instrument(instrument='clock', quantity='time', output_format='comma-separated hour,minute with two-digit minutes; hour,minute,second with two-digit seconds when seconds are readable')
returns 9,59,00
